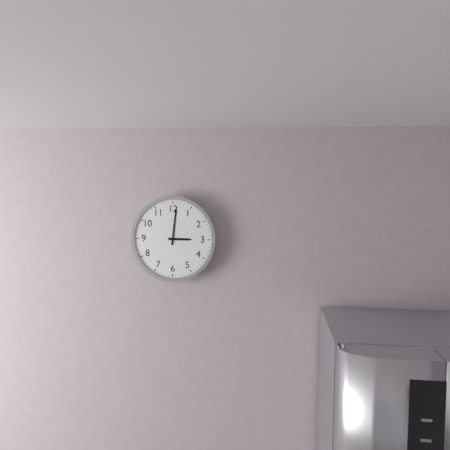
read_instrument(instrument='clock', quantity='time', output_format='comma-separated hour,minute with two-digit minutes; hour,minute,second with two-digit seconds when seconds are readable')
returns 3,01
